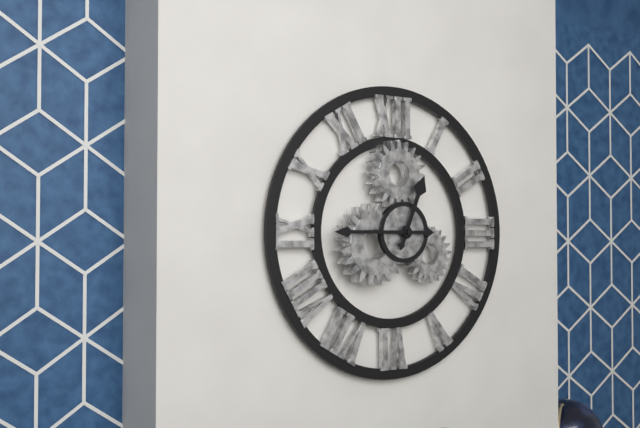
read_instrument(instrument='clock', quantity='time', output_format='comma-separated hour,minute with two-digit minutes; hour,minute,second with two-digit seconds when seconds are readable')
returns 12,45
